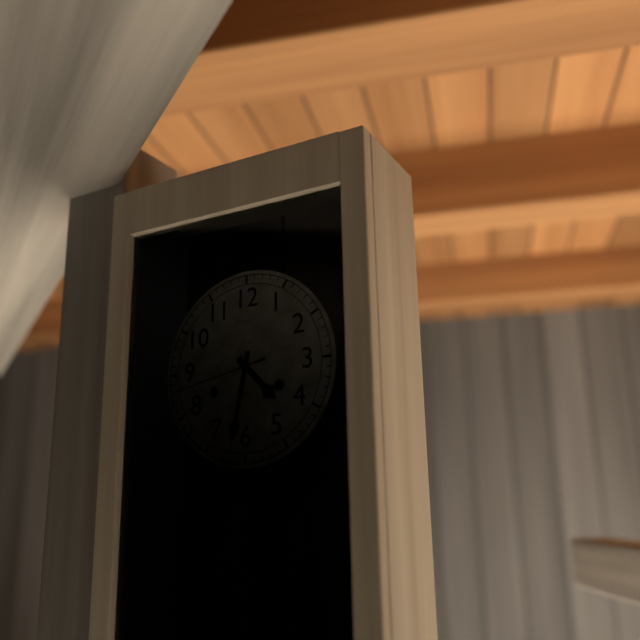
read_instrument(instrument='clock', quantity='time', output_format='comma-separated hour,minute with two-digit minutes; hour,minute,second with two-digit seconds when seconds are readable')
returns 4,32,43
